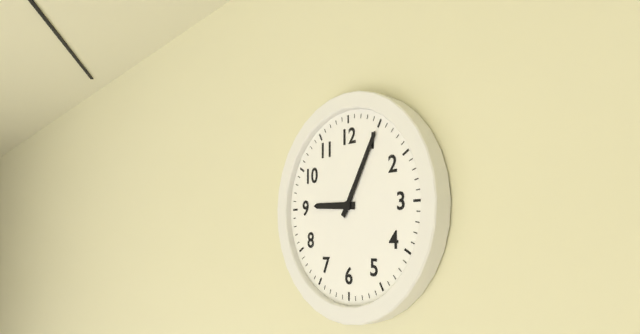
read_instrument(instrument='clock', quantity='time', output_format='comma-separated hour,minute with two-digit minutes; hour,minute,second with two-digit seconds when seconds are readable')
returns 9,05
